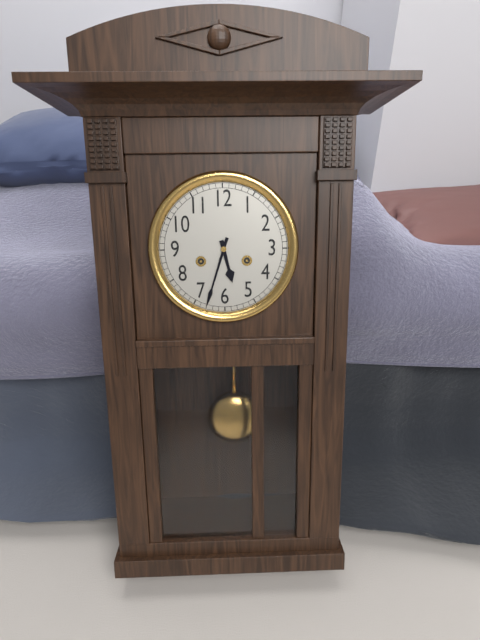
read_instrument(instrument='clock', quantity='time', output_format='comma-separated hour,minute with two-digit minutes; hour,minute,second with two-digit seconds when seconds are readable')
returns 5,33
